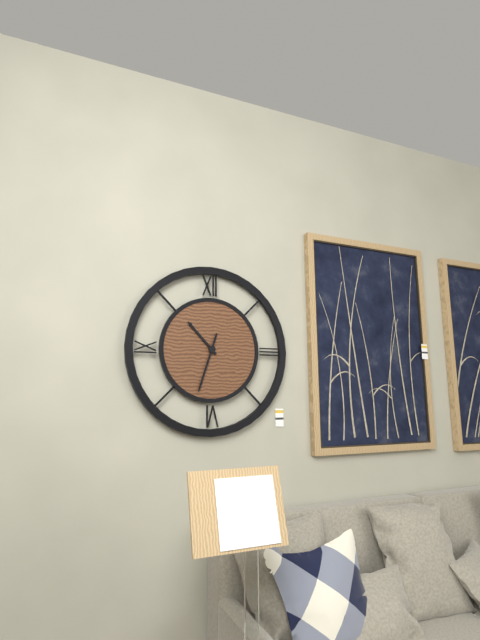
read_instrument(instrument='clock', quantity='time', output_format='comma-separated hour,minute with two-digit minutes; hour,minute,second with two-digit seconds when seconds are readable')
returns 10,33
